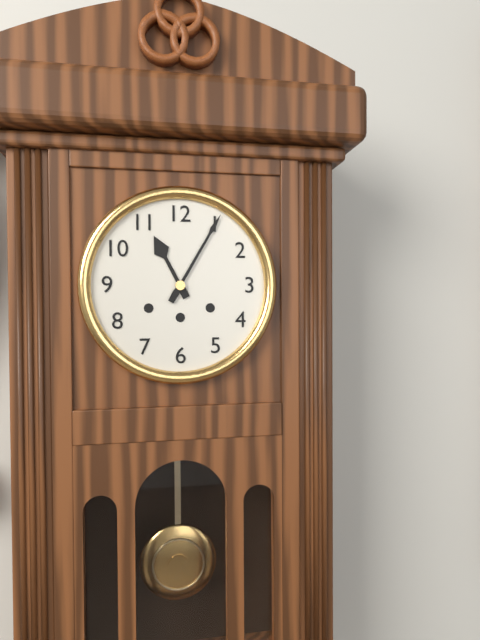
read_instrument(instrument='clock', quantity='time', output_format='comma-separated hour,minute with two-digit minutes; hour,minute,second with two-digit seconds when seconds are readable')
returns 11,05
